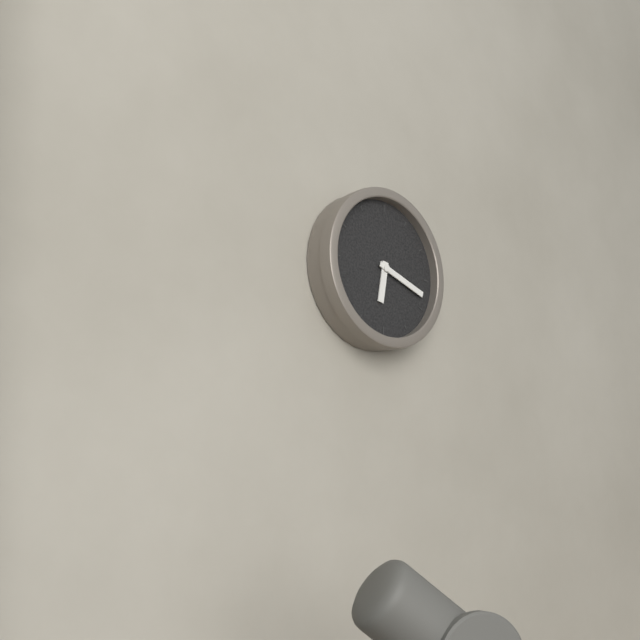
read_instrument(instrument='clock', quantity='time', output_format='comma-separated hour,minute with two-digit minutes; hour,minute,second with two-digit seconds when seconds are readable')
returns 6,18
